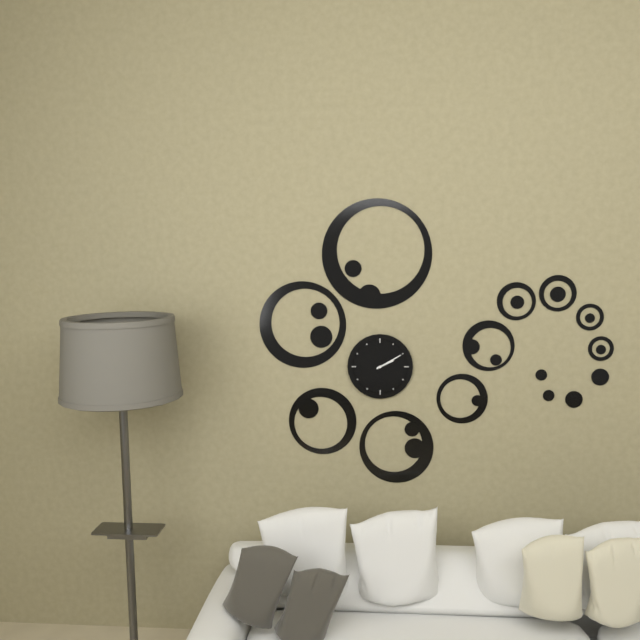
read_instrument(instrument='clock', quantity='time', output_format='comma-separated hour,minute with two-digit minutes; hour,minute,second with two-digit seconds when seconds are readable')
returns 2,10
